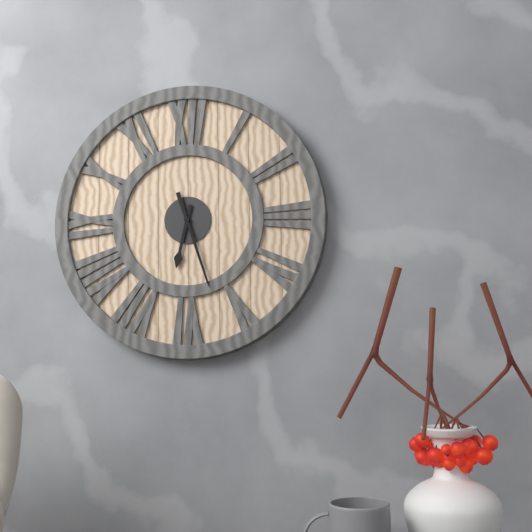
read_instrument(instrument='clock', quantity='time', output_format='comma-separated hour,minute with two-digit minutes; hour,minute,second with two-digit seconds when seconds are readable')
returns 6,27
